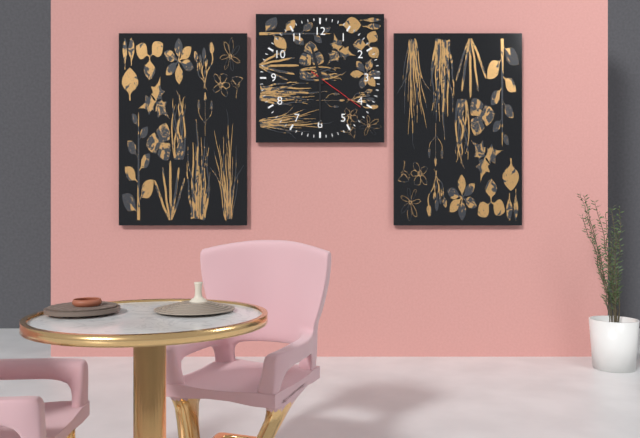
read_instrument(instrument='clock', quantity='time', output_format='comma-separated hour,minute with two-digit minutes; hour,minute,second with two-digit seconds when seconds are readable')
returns 11,30,21
